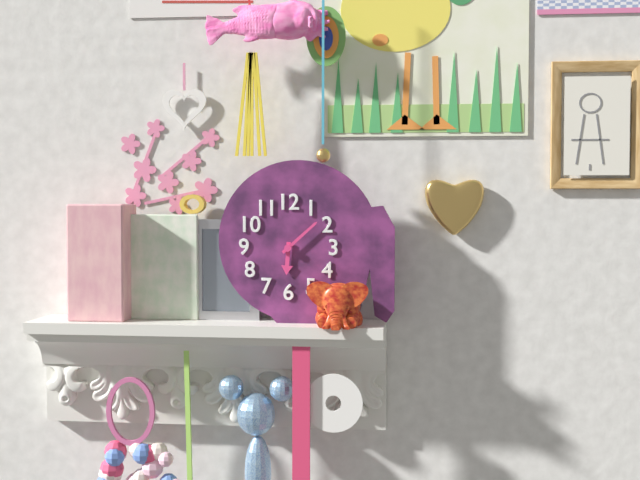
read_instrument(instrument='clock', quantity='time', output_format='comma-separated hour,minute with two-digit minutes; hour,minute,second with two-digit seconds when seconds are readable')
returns 6,08
